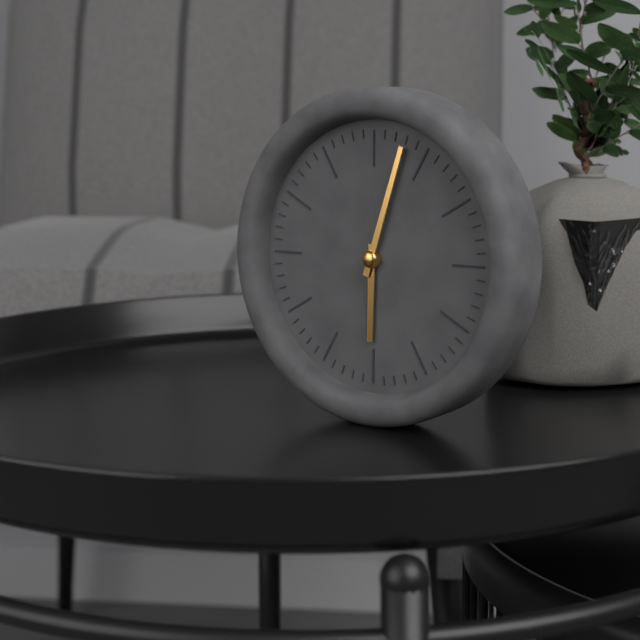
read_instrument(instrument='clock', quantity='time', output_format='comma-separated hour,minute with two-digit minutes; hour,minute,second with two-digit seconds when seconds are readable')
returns 6,03
